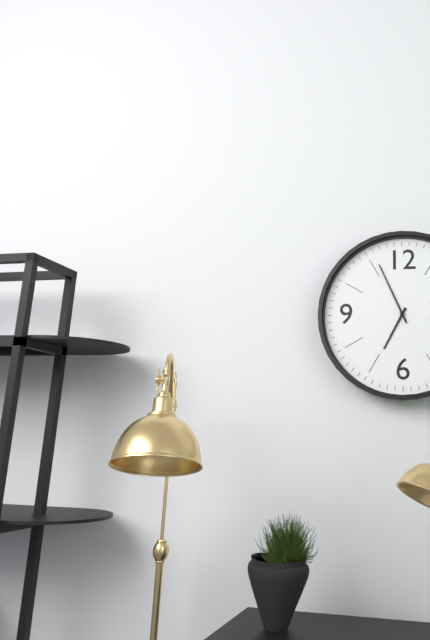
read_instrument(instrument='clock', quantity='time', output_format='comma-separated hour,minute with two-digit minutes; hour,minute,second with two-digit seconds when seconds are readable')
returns 6,56
